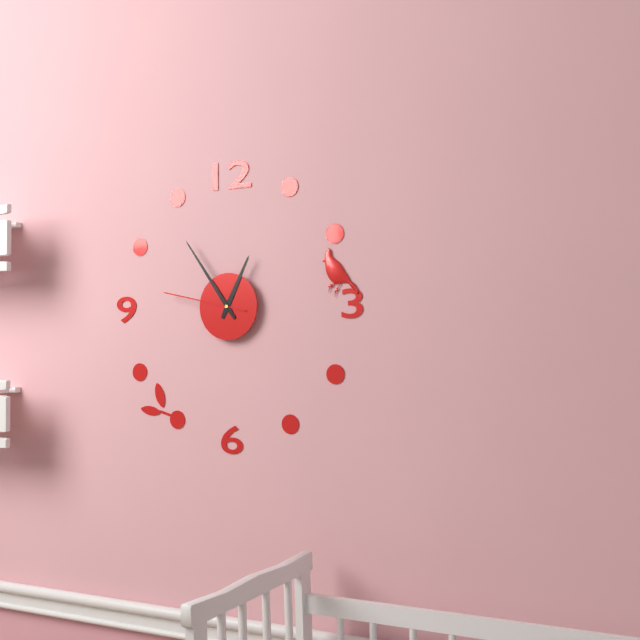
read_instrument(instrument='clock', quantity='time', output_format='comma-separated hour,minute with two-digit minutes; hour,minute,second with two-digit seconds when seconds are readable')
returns 12,54,47
